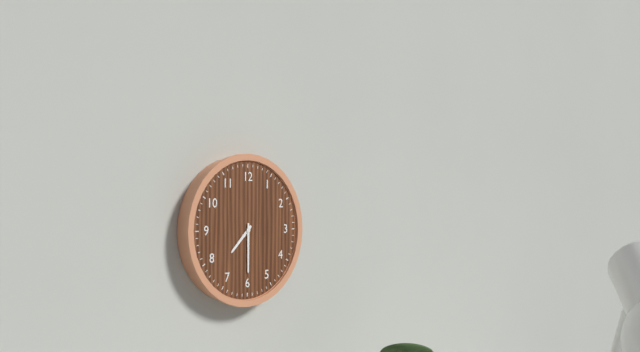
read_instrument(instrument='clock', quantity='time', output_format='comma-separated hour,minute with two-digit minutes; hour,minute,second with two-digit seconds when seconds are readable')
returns 7,30
